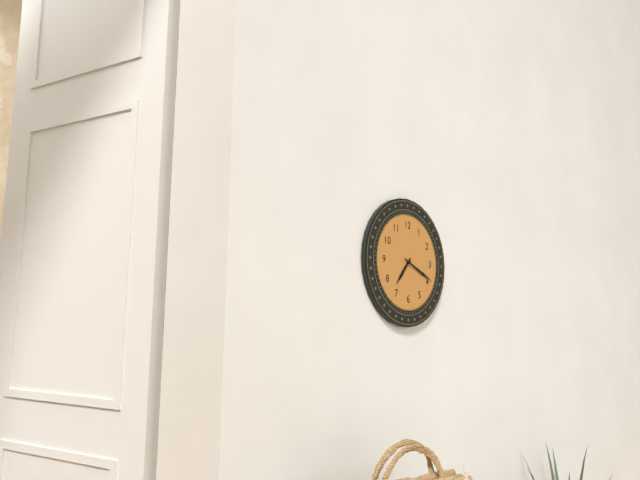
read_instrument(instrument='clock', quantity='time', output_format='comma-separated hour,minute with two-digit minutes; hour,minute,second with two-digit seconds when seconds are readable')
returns 7,19
